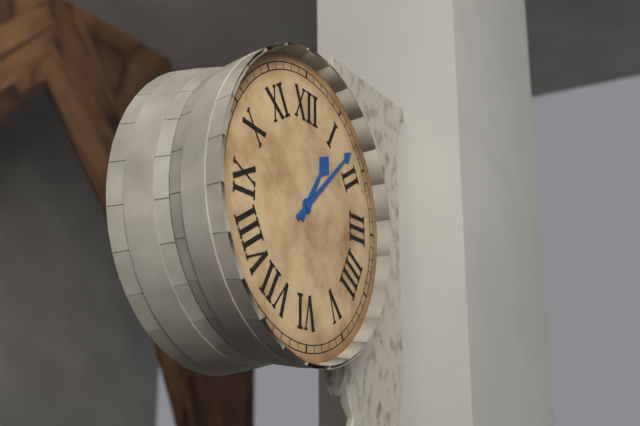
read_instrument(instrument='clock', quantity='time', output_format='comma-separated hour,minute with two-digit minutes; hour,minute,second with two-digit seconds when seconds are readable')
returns 1,08
